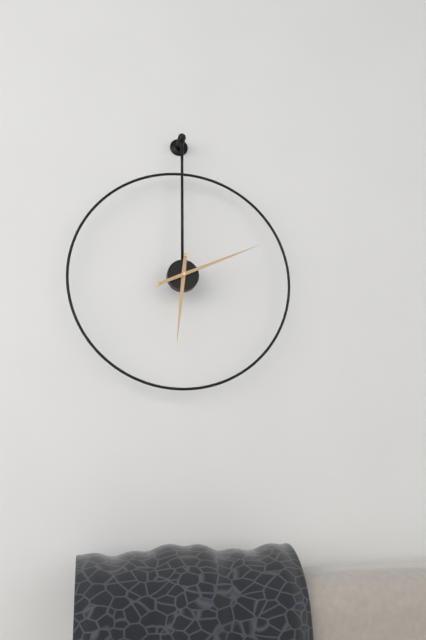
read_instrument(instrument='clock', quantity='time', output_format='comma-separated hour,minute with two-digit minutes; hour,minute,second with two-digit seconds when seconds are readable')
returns 6,11
